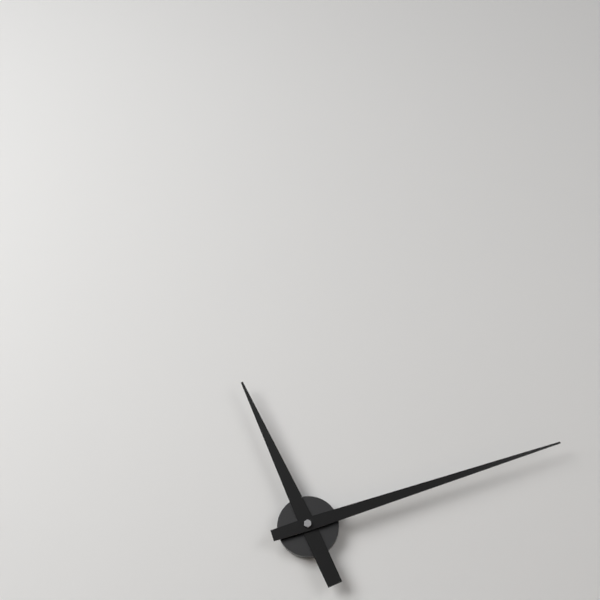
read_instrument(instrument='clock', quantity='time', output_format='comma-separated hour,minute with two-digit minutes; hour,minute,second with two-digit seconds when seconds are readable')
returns 11,12
